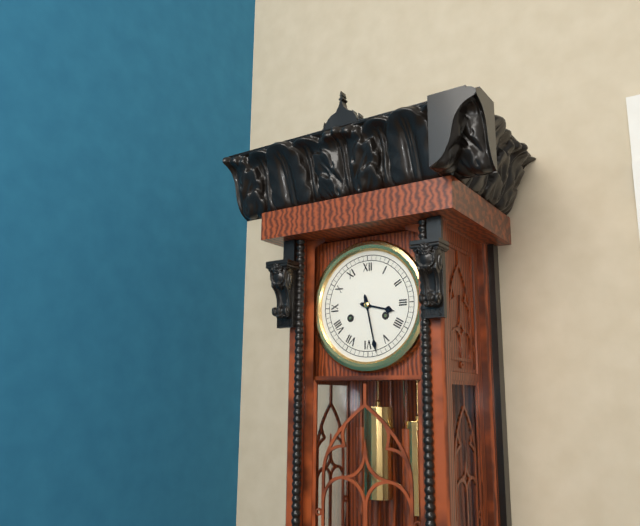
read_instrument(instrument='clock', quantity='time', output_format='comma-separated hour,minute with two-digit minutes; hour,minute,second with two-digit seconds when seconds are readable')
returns 3,28
